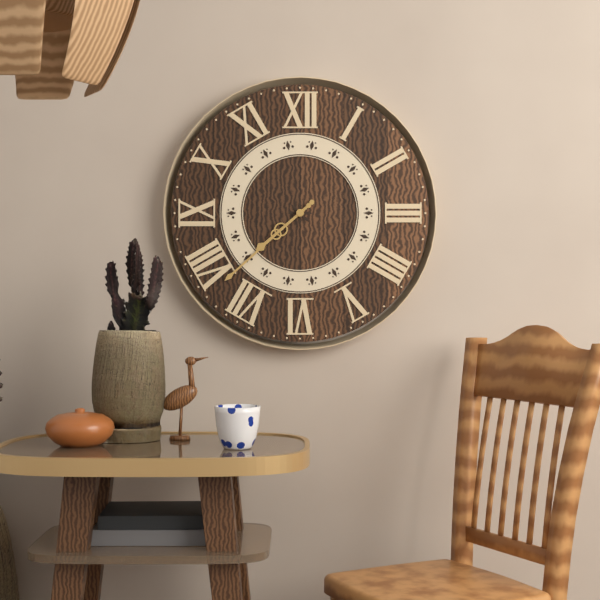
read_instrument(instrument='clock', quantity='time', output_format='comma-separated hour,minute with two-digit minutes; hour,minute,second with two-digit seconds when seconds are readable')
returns 7,38
